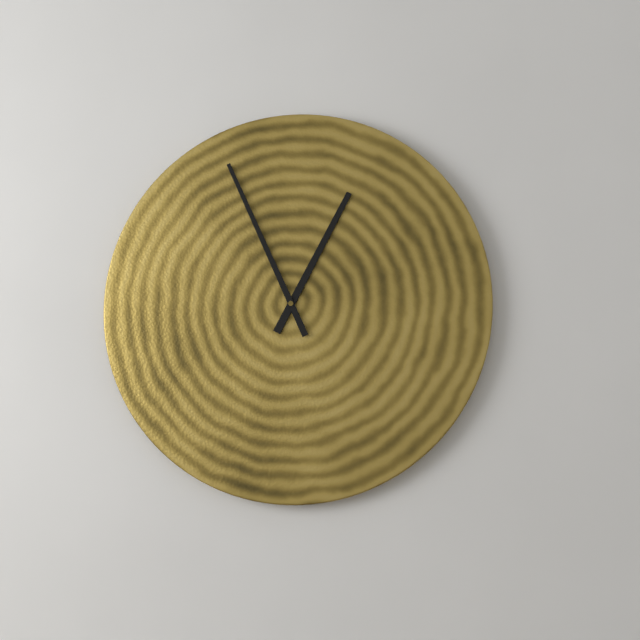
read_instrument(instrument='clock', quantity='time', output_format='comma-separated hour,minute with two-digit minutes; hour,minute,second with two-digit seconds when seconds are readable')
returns 12,56
